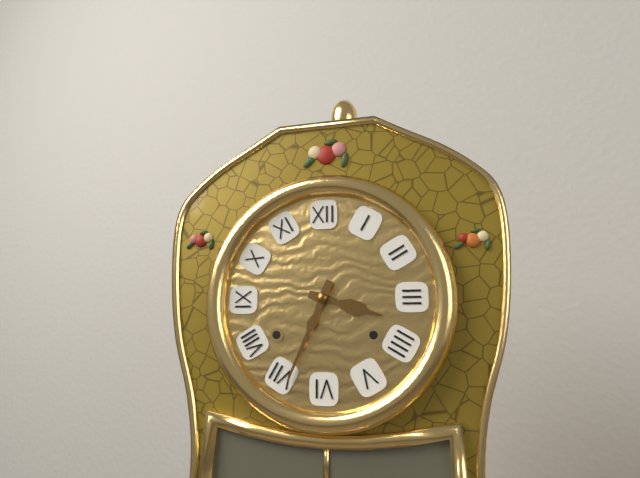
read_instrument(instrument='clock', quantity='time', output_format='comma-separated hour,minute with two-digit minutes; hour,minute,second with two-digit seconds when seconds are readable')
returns 3,34
